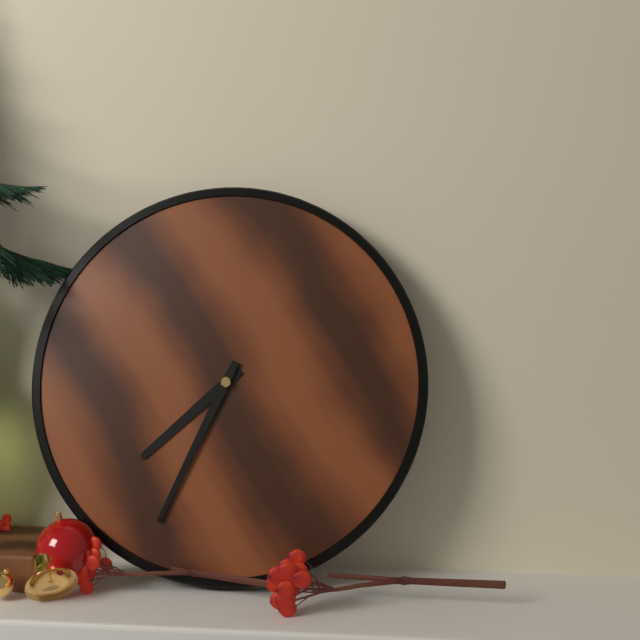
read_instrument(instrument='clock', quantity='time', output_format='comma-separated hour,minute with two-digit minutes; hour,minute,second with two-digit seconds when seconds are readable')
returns 7,34
